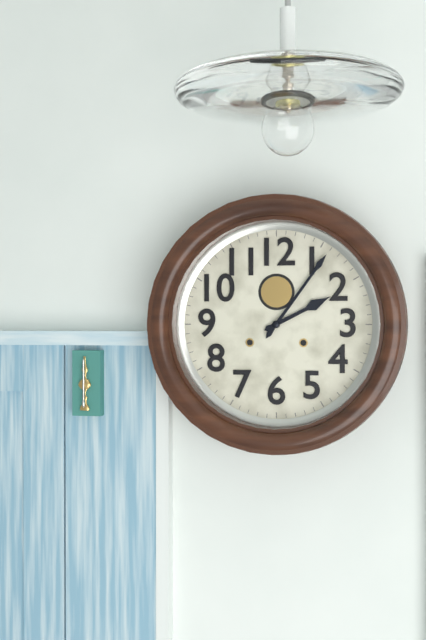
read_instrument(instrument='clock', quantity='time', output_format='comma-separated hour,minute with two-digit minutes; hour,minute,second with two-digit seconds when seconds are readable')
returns 2,06
